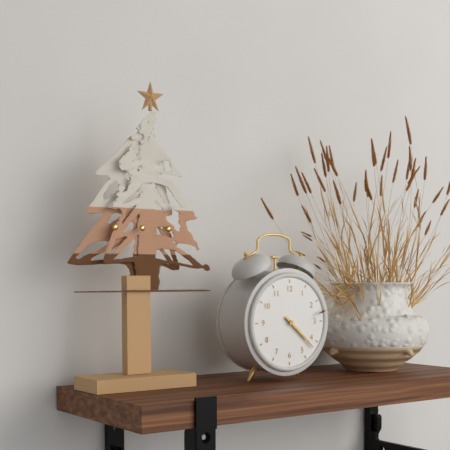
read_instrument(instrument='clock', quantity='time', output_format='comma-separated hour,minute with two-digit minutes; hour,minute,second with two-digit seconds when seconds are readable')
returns 4,22
